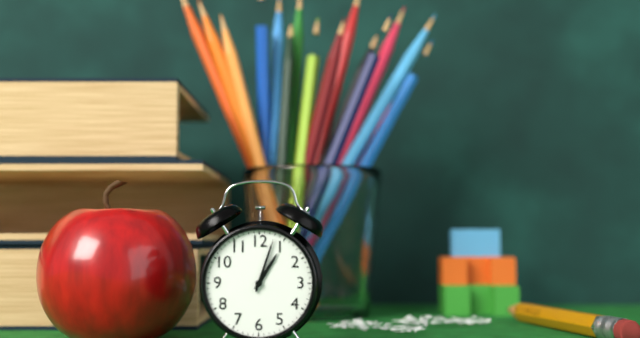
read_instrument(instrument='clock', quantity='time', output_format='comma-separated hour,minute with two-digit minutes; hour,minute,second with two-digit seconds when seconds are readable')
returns 1,03
